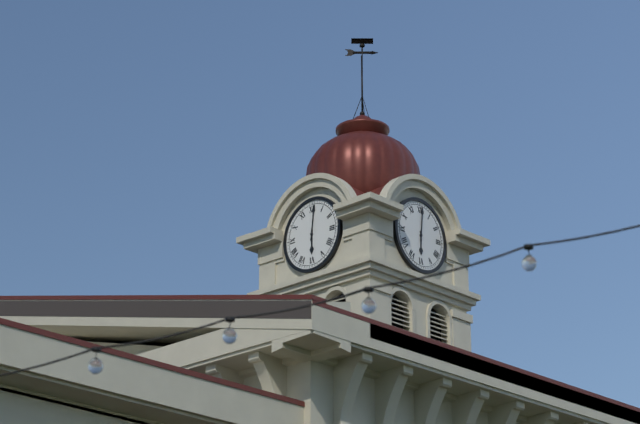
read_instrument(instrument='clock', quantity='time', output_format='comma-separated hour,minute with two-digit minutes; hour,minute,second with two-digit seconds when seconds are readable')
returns 6,01
